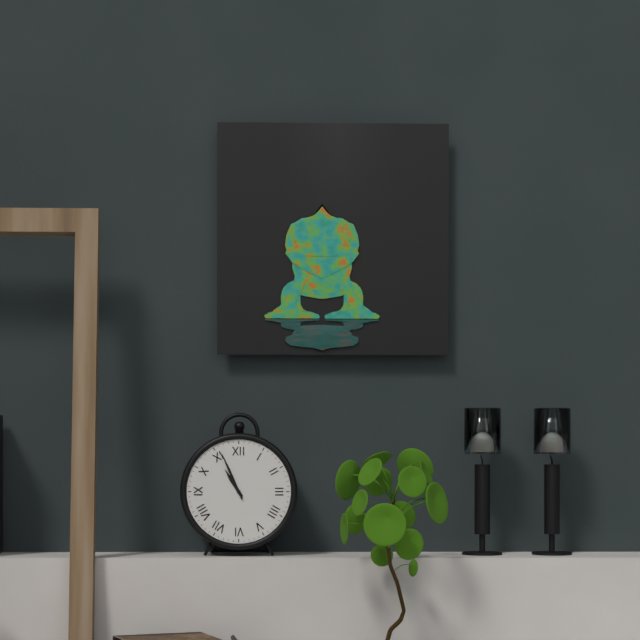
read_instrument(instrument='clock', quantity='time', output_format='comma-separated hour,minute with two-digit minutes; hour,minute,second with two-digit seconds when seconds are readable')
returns 10,56
